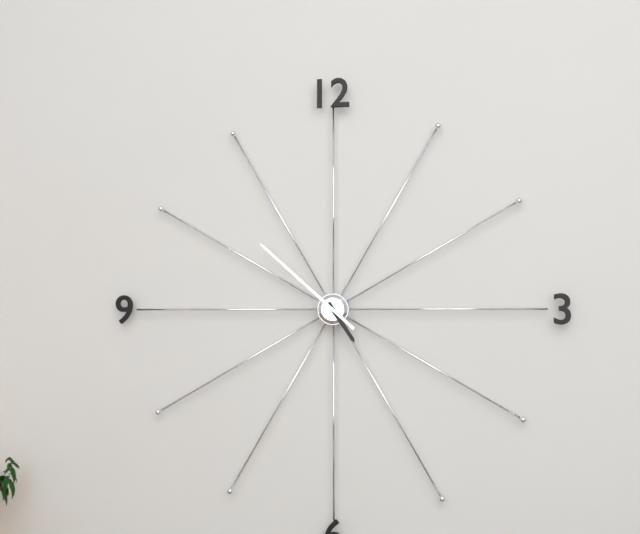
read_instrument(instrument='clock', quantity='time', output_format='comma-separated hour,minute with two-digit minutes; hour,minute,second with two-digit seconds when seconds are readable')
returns 4,52
